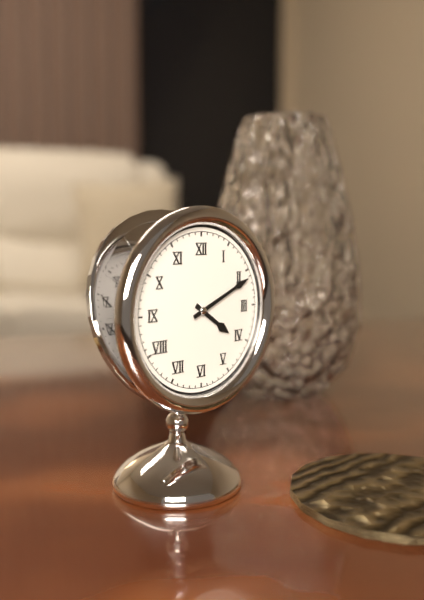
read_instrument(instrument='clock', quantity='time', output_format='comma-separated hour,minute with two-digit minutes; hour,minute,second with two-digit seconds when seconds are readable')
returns 4,11
